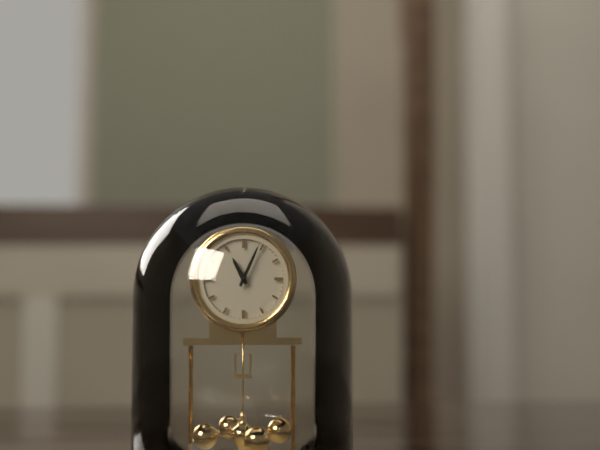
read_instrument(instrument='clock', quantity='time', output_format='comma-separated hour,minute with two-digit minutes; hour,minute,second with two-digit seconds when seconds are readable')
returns 11,04
